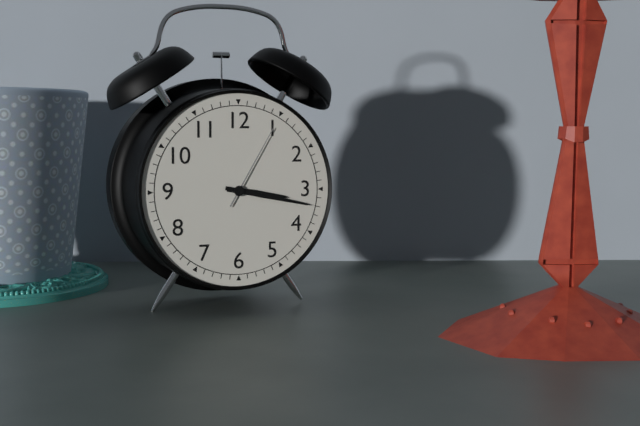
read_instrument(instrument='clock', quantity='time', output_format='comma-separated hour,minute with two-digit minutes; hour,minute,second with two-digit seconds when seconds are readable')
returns 3,17,05
